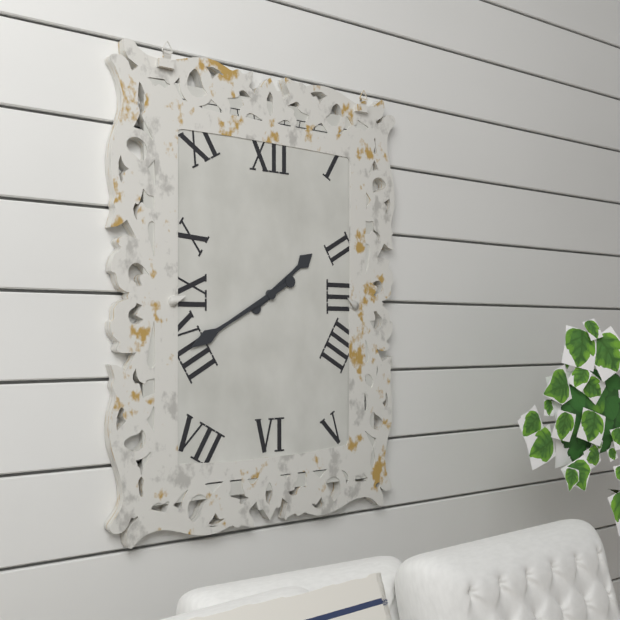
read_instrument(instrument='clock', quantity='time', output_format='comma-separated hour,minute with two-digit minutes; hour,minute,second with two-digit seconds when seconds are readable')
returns 1,40
